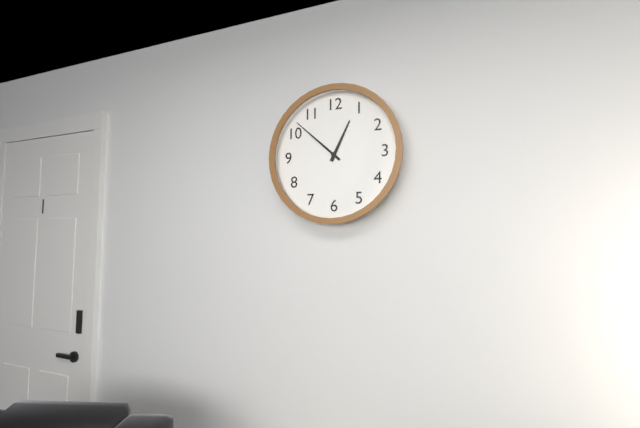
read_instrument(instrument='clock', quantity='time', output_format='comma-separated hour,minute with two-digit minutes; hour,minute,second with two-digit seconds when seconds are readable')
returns 12,52
